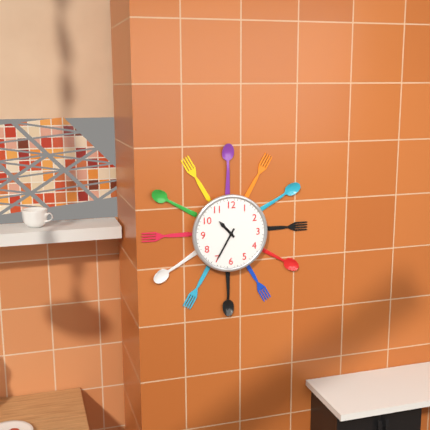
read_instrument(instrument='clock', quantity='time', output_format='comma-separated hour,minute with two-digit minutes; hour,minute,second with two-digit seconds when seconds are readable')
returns 10,35
